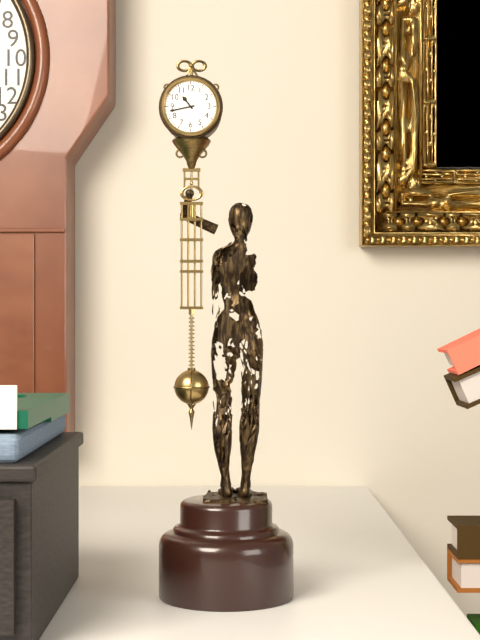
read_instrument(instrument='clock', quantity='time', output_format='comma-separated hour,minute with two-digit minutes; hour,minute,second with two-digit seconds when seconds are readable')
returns 10,43
